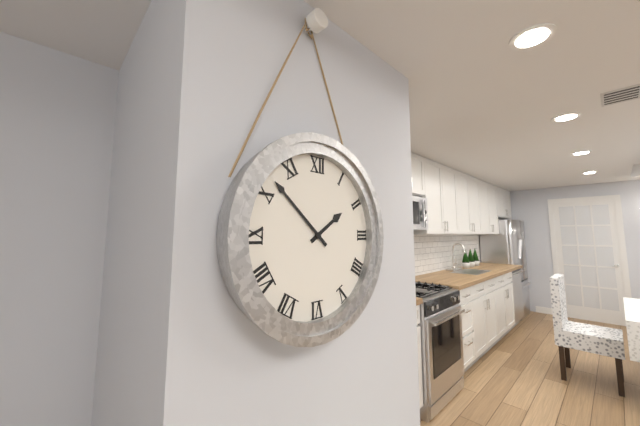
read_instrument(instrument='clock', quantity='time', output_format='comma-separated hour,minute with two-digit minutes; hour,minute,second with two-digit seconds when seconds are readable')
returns 1,52
